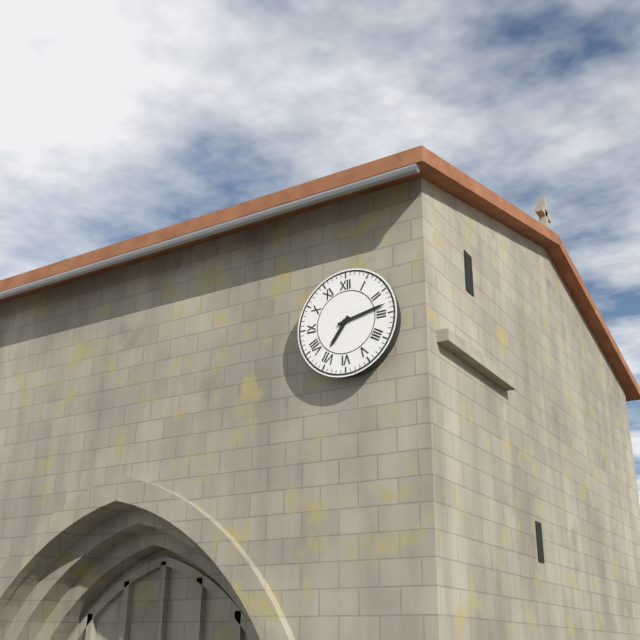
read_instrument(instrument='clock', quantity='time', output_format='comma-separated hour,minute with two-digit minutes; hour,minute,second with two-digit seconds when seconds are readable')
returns 7,13
